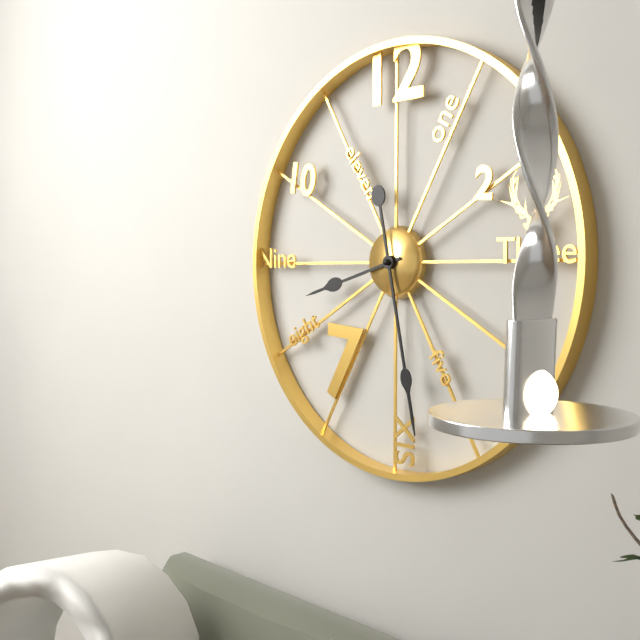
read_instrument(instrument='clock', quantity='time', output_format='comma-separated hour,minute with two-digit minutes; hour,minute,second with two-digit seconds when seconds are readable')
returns 8,28
